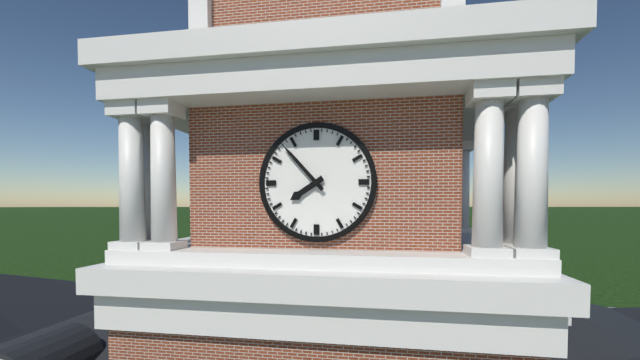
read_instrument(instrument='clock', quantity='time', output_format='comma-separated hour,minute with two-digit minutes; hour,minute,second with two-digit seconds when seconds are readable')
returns 7,53
